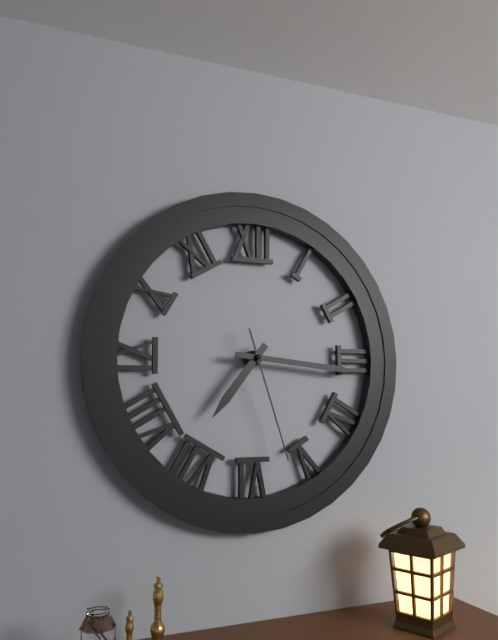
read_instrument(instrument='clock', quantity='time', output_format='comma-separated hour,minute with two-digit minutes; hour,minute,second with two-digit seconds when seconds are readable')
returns 7,16,27
